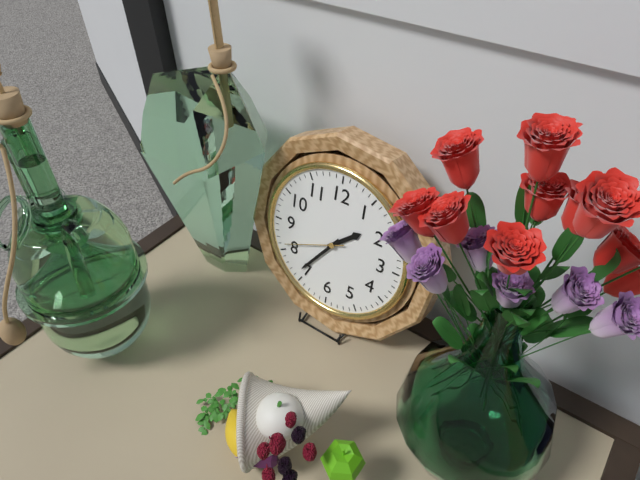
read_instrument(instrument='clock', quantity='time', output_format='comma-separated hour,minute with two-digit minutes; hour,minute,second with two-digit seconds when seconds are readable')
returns 1,36,41
